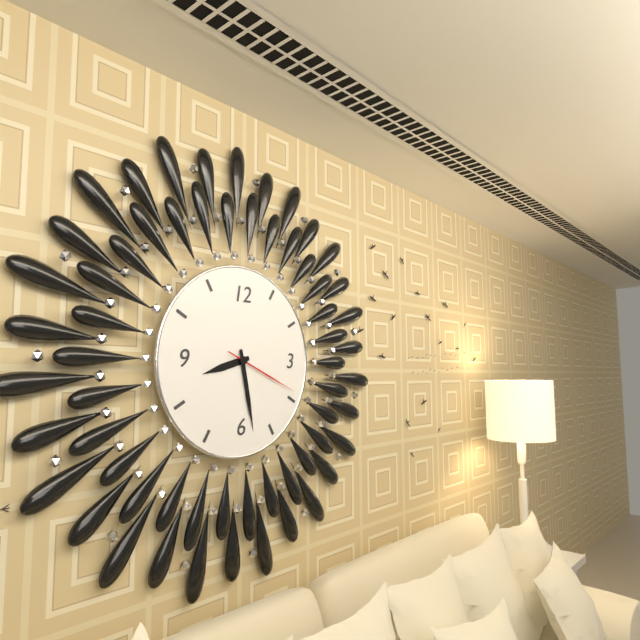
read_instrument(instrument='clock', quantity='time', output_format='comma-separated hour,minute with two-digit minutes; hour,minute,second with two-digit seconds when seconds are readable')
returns 8,28,19
